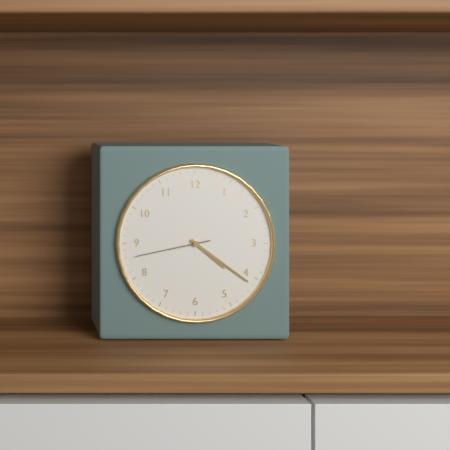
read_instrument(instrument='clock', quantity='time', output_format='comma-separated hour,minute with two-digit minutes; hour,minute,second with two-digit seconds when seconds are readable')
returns 4,21,43
